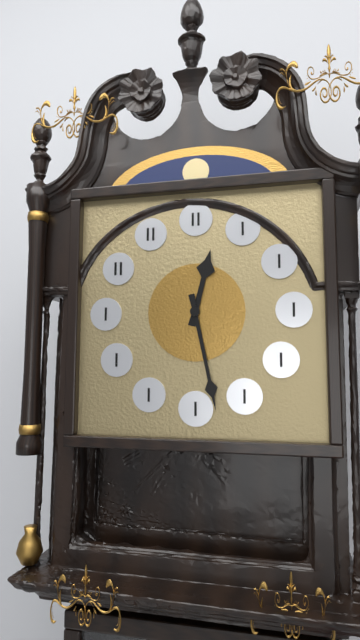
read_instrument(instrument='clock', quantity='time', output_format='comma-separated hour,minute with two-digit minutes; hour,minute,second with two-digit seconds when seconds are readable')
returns 12,28
